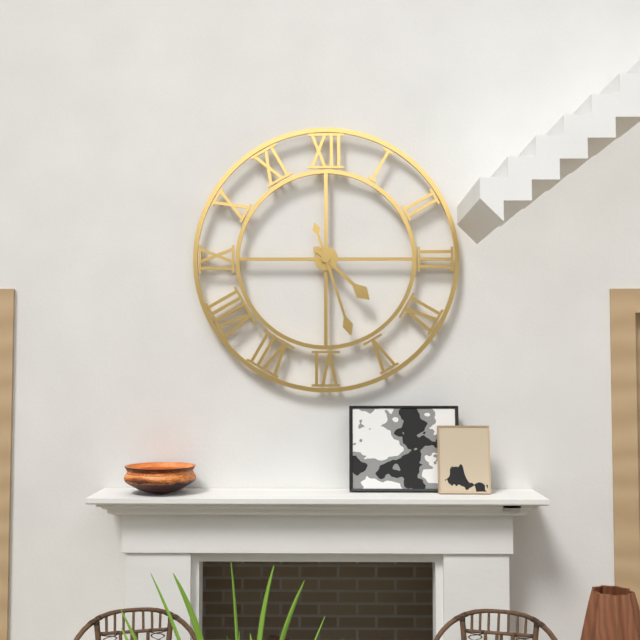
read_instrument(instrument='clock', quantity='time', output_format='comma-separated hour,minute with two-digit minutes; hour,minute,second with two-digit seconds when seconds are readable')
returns 4,27
